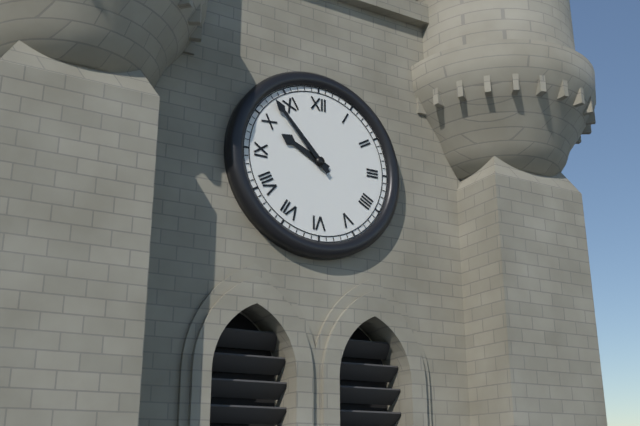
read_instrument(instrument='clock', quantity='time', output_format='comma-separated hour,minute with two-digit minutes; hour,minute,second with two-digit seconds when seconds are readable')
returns 9,53
